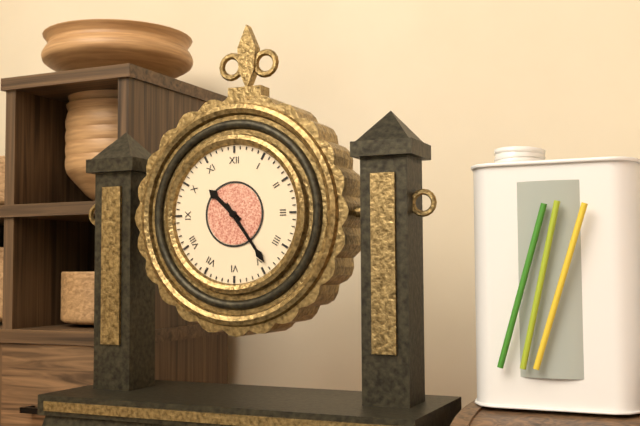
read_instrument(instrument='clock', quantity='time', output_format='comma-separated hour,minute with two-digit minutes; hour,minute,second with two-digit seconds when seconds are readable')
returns 10,24
